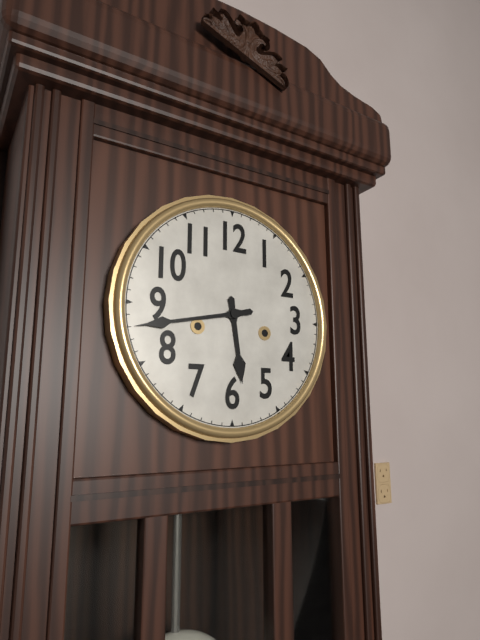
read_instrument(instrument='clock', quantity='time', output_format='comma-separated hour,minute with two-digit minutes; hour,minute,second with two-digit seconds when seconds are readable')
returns 5,43
